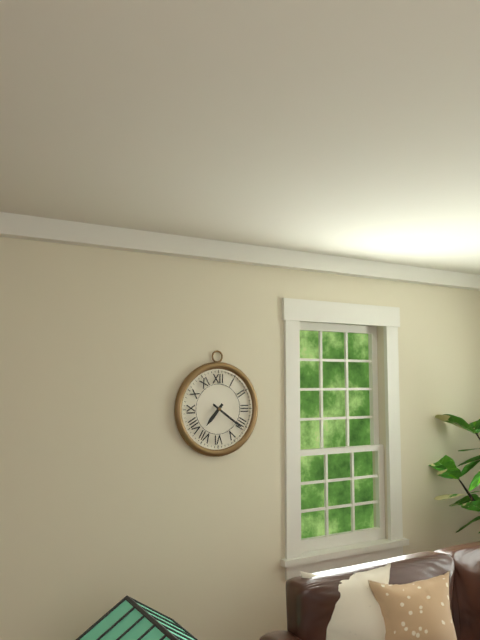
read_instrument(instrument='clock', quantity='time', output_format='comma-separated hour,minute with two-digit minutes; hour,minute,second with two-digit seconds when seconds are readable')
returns 7,21
